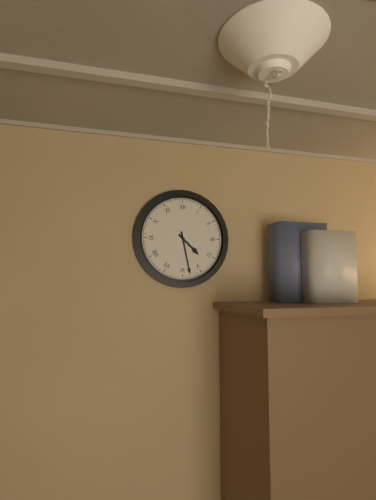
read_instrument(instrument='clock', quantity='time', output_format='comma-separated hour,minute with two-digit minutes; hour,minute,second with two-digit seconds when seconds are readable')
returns 4,28
